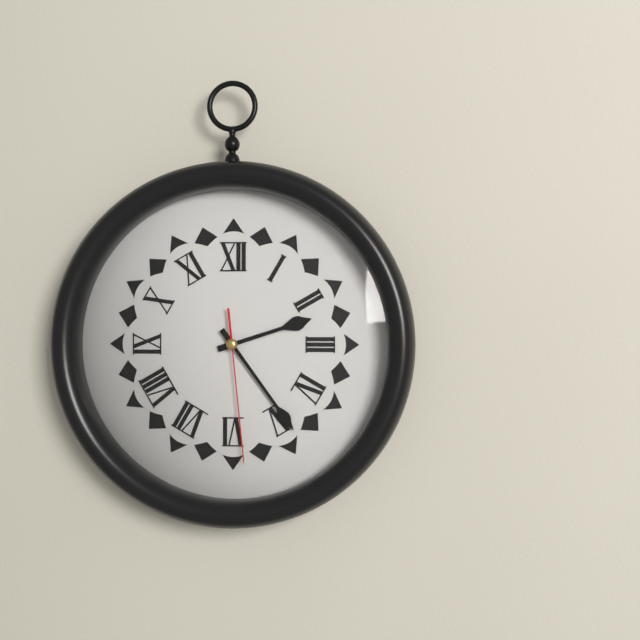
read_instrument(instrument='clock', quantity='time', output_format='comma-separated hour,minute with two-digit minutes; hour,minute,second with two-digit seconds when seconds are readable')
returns 2,24,29
